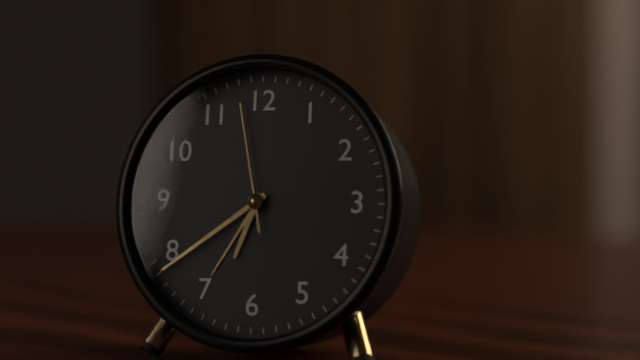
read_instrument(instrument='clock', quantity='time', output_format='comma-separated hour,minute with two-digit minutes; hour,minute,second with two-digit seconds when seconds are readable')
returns 6,39,58
